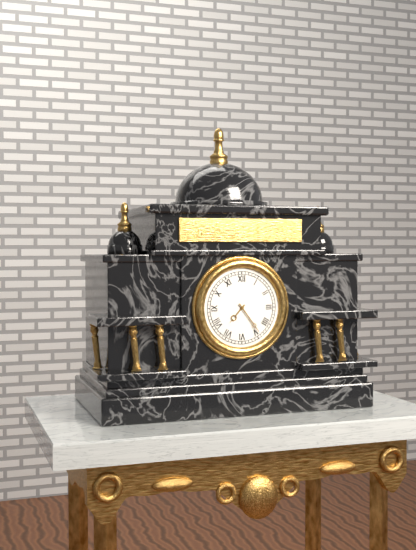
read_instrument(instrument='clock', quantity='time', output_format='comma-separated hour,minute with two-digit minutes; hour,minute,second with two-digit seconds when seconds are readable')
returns 7,24
